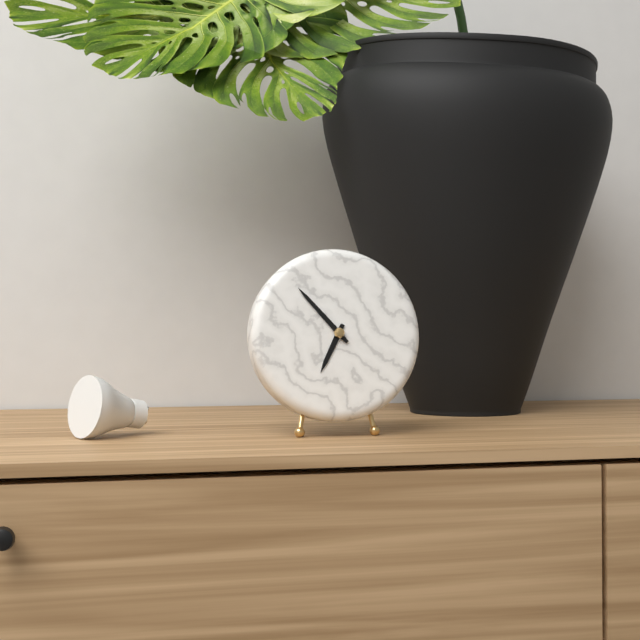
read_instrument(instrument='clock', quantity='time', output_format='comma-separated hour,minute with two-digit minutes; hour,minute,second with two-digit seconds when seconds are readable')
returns 6,53
